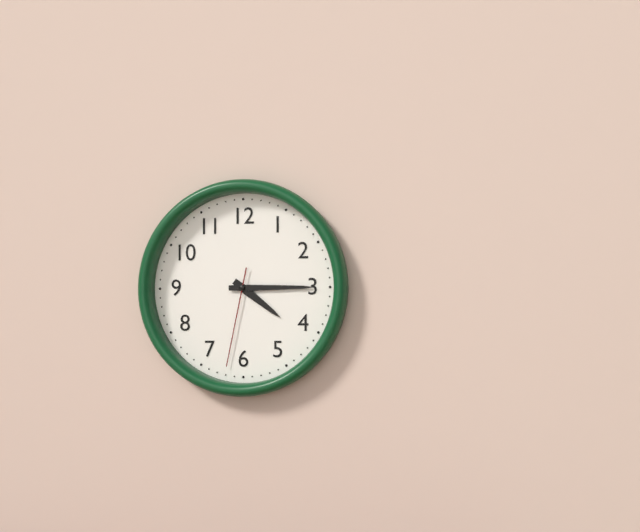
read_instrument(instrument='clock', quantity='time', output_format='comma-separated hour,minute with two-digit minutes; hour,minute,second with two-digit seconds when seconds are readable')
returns 4,15,32
